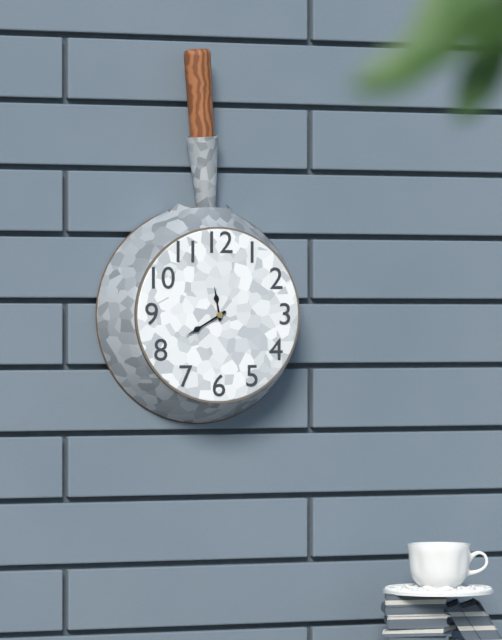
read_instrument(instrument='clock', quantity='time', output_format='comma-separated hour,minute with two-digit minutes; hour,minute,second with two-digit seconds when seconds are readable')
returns 11,40
